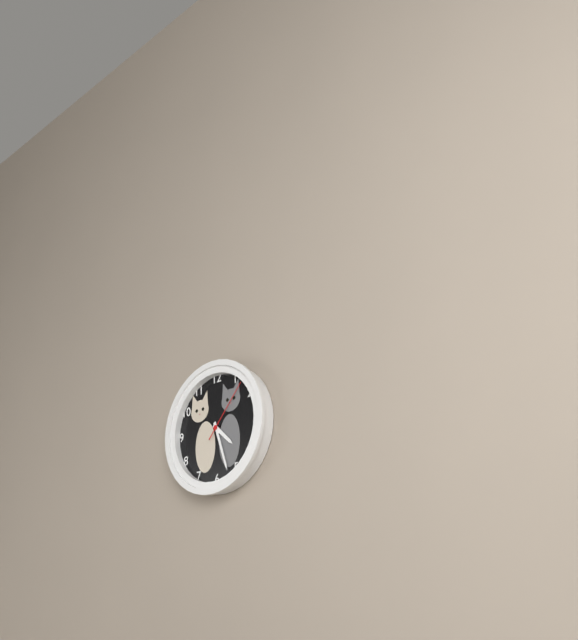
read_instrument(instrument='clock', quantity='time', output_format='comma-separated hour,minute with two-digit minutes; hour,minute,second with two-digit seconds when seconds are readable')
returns 4,27,07
